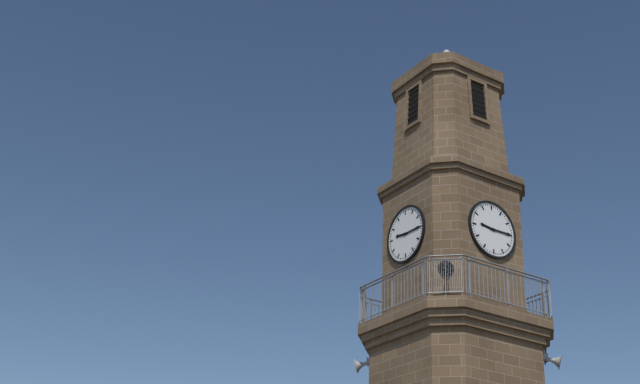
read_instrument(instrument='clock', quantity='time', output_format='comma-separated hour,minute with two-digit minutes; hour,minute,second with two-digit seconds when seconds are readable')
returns 9,15
